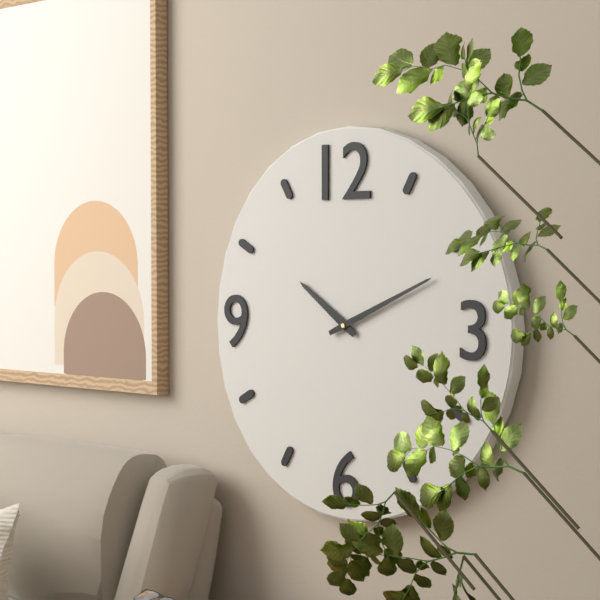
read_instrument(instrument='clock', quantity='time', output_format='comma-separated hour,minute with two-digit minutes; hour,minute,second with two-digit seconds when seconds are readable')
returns 10,11
